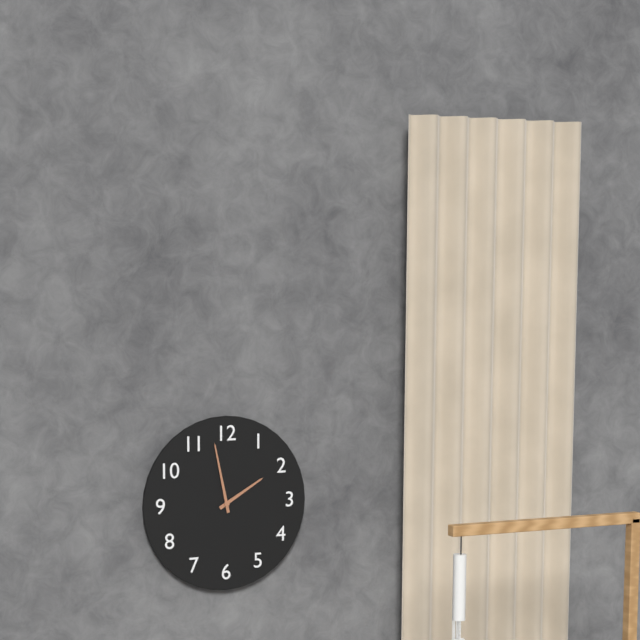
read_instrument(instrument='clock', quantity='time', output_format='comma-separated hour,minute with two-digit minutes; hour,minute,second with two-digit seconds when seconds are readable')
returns 1,58
